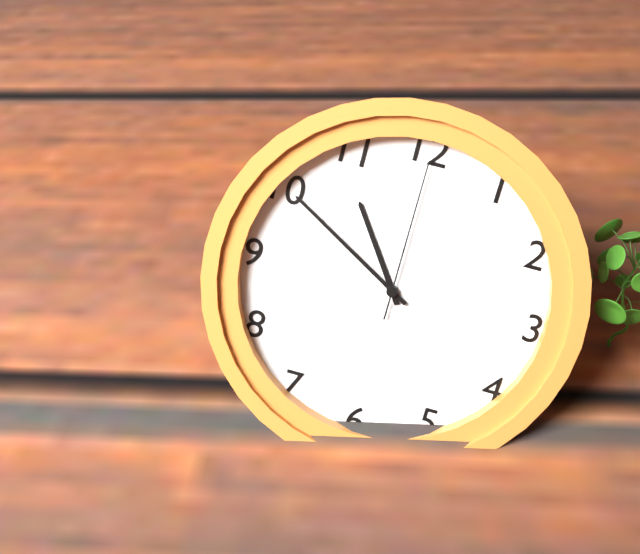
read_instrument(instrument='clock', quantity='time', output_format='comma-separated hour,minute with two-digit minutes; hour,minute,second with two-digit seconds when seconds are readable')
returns 10,50,00
